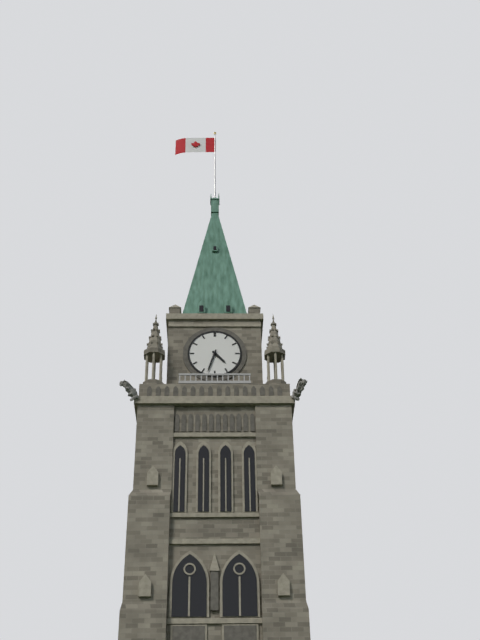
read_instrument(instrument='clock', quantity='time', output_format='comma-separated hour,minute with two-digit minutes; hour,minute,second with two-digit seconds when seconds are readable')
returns 4,33
